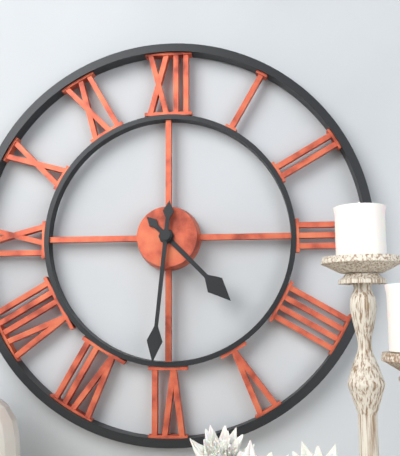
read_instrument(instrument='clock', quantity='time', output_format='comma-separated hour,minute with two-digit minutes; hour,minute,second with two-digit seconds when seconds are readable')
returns 4,31
